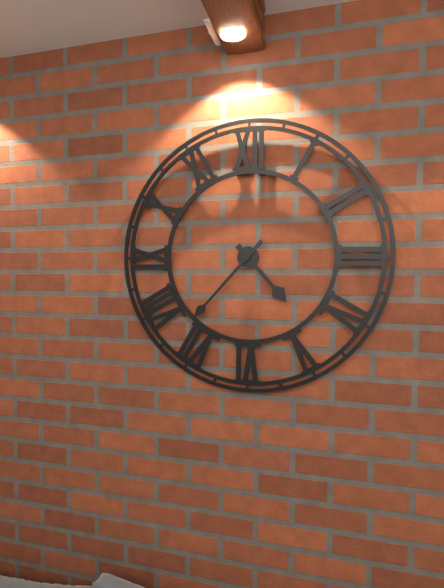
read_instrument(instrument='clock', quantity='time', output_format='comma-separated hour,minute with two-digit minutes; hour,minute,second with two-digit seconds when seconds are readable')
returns 4,37
